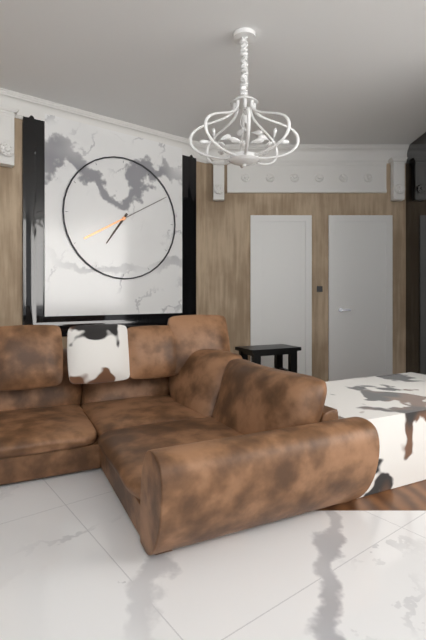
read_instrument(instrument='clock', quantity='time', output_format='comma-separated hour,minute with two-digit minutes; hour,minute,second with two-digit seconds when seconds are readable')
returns 7,10
